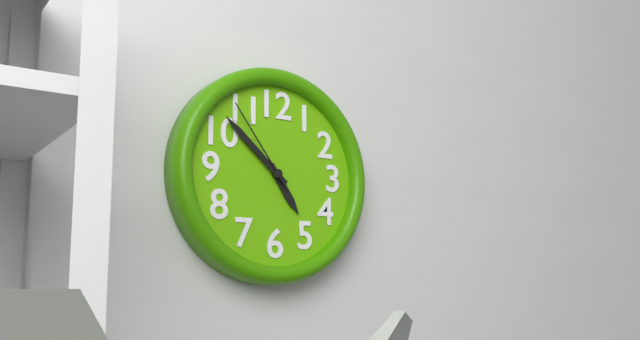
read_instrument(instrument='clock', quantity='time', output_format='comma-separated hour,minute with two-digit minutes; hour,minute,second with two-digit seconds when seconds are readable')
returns 4,52,54
